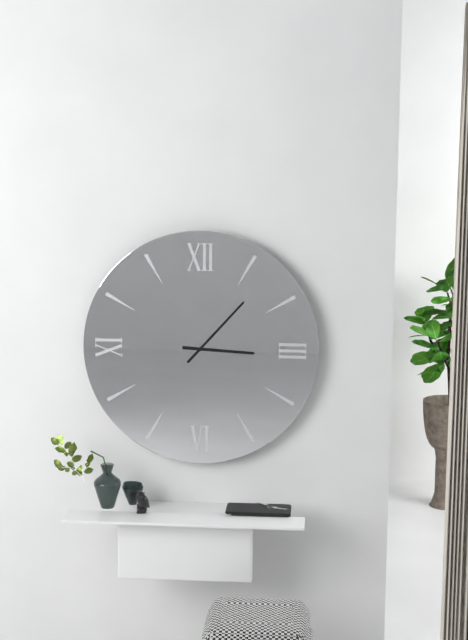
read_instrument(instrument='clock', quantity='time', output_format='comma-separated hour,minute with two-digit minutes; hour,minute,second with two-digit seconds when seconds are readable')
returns 3,07
